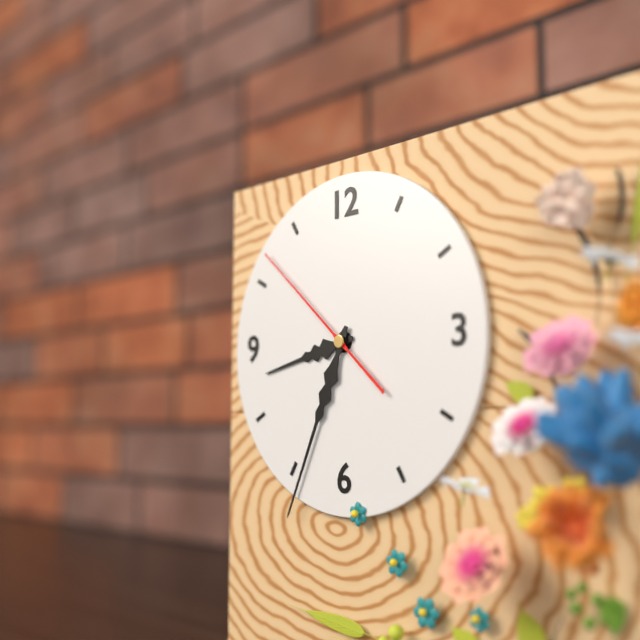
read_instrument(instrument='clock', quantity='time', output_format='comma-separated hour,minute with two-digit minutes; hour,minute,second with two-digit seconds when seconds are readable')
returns 8,34,52
